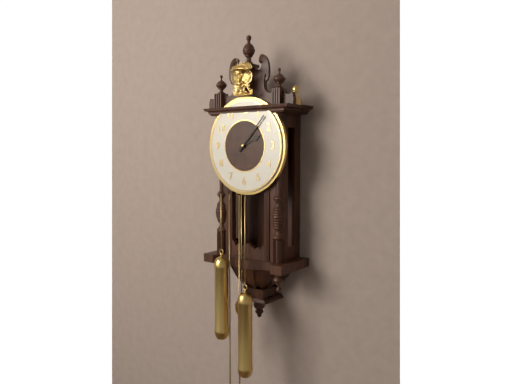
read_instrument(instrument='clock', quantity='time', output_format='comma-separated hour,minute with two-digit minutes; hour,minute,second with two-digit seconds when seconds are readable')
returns 2,07
